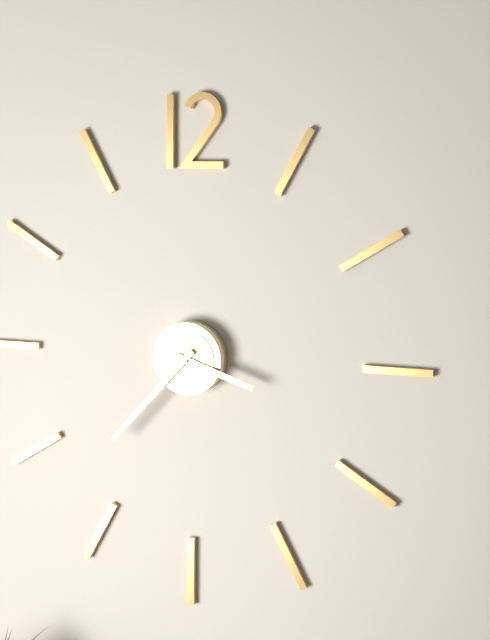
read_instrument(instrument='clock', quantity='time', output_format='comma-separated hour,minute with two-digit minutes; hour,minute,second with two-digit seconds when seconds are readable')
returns 3,37
